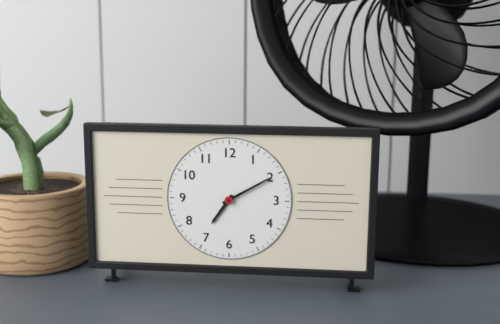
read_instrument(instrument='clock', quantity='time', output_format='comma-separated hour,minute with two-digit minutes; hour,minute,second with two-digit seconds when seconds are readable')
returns 7,10
